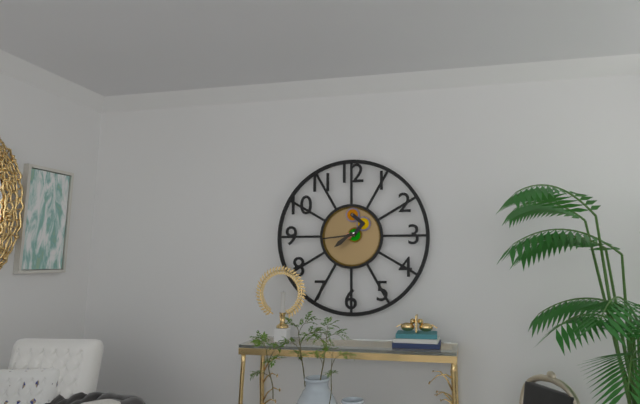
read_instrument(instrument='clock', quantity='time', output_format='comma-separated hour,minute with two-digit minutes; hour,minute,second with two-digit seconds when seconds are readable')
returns 7,44
